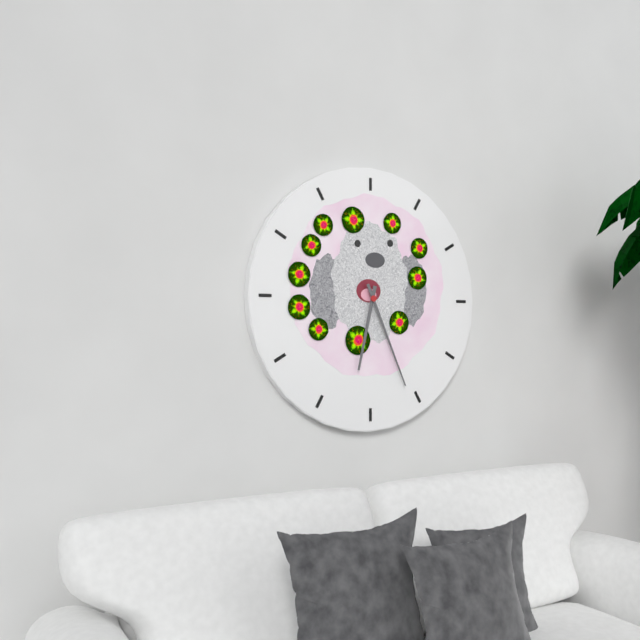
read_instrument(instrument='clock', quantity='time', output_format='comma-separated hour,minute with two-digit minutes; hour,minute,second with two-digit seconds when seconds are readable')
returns 6,26
